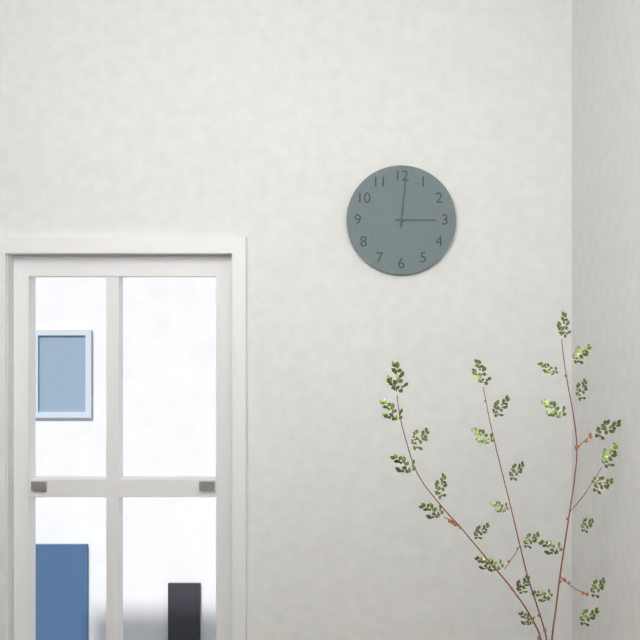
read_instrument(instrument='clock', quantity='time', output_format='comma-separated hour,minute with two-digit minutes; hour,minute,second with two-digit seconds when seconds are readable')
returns 3,01
